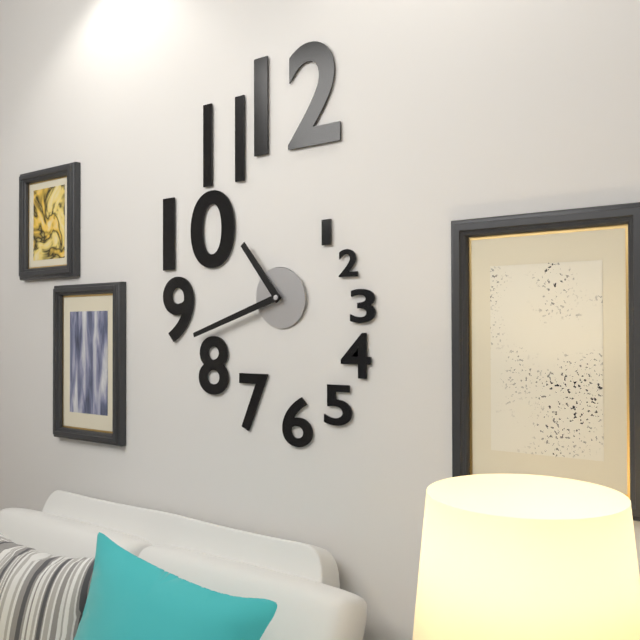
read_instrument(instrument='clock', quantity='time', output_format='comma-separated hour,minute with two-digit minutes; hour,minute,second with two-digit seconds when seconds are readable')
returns 10,42
